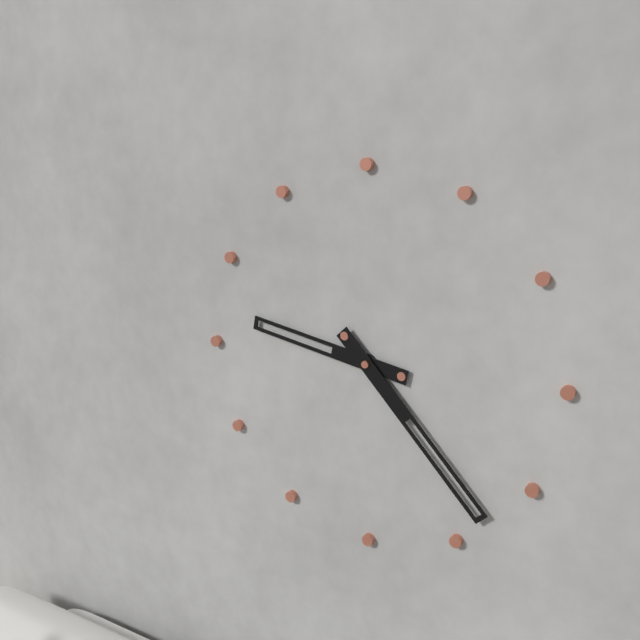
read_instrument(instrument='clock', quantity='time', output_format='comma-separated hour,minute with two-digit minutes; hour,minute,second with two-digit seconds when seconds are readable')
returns 9,23
